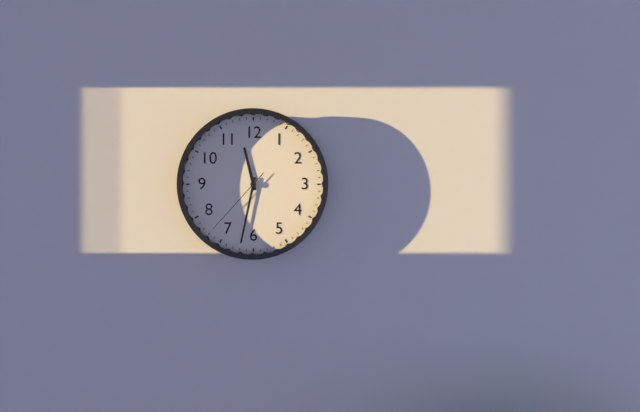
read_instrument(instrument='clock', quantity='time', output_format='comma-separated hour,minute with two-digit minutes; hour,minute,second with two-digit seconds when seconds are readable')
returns 11,32,37
